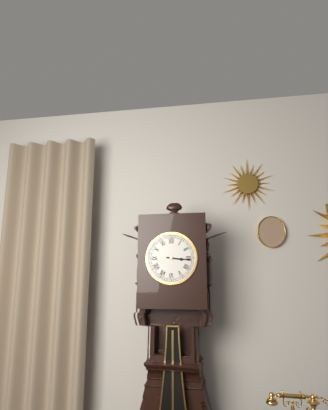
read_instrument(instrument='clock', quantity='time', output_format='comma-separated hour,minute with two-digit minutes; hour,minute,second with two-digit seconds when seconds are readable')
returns 3,16
